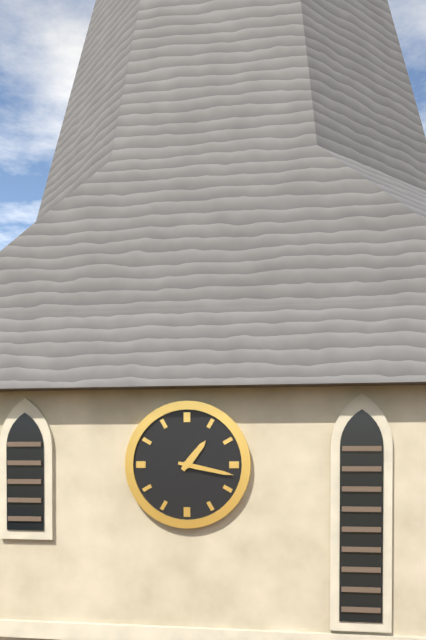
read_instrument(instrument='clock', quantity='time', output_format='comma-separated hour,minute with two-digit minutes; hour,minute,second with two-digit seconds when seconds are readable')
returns 1,17
